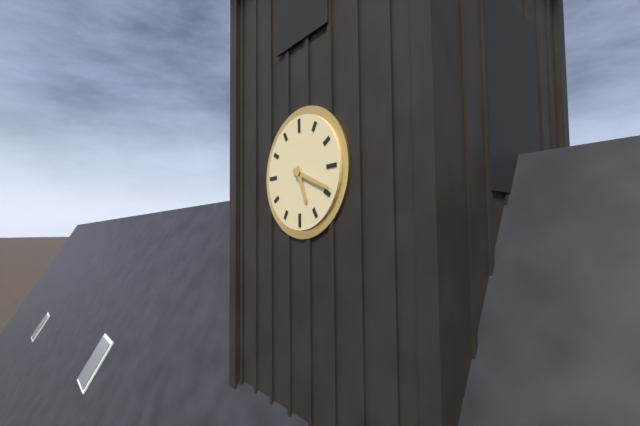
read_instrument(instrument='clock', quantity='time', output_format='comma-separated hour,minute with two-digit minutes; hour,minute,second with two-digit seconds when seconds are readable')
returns 5,19
